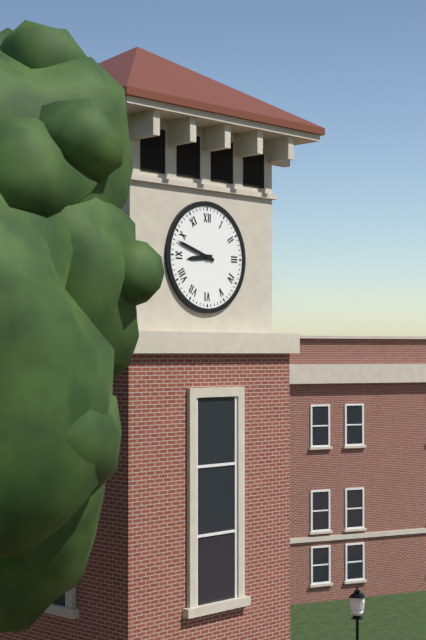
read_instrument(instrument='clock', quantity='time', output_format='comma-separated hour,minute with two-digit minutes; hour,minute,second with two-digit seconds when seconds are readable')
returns 8,48
